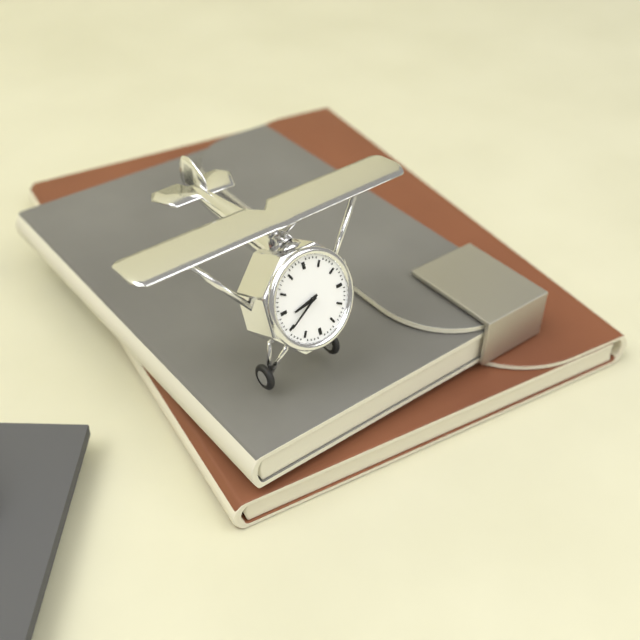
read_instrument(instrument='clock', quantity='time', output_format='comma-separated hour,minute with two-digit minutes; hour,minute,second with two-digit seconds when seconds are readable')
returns 8,40
